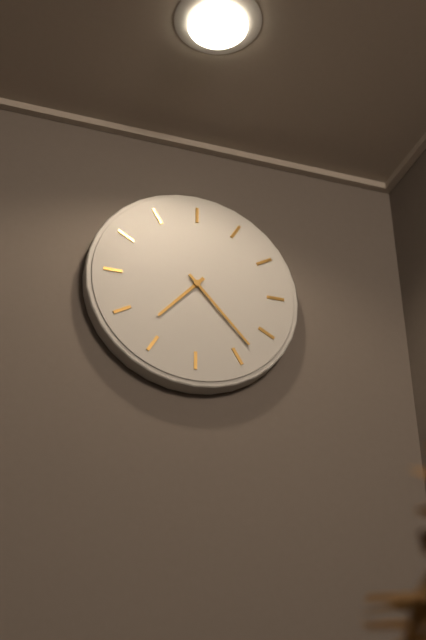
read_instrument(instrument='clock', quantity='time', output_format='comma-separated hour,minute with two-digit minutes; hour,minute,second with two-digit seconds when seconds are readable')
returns 7,23
